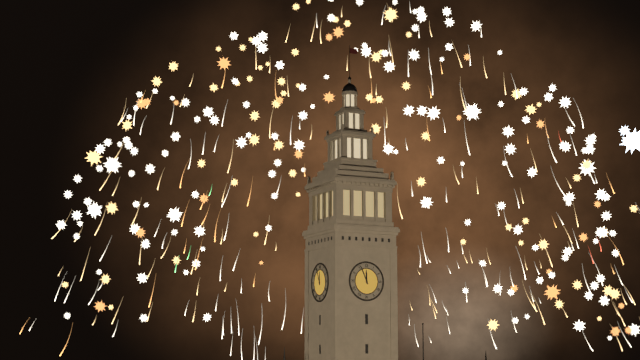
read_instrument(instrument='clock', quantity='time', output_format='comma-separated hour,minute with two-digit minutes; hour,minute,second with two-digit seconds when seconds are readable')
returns 11,56
